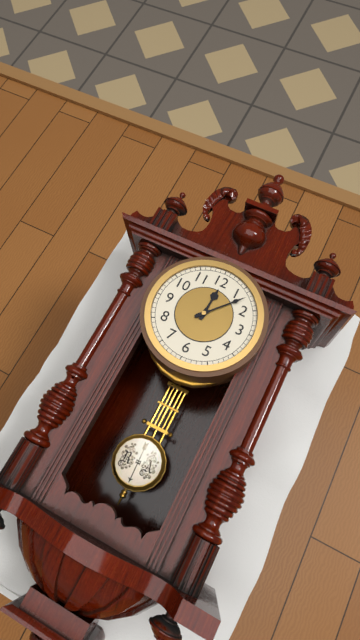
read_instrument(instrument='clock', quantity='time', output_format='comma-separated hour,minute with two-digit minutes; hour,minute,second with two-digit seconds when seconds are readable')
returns 12,07
